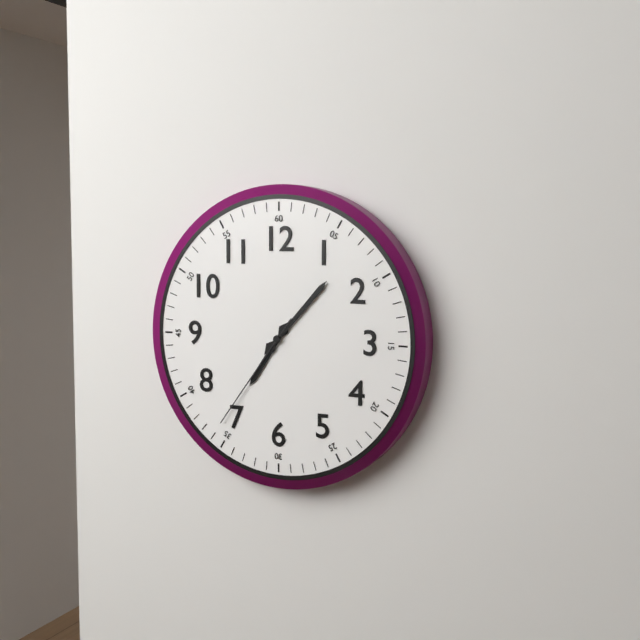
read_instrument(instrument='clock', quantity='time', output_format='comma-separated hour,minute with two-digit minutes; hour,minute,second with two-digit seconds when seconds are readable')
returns 7,07,36
